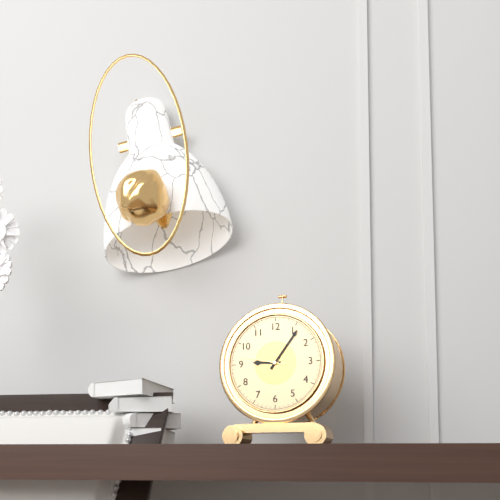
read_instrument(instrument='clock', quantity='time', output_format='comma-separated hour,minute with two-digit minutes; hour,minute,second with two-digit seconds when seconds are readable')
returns 9,06
